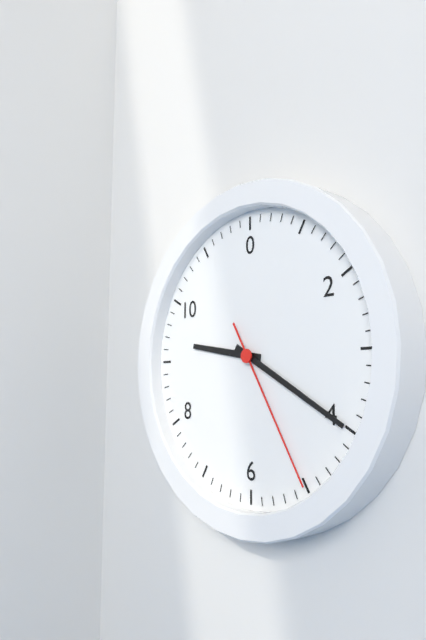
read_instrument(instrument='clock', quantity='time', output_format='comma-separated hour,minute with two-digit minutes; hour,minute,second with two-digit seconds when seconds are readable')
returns 9,20,25
